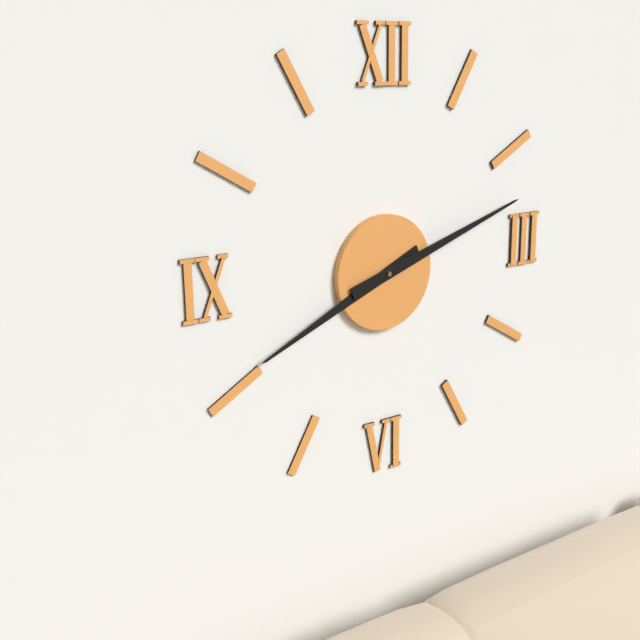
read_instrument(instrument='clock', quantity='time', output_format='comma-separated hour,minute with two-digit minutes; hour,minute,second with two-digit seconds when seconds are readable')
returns 8,12
